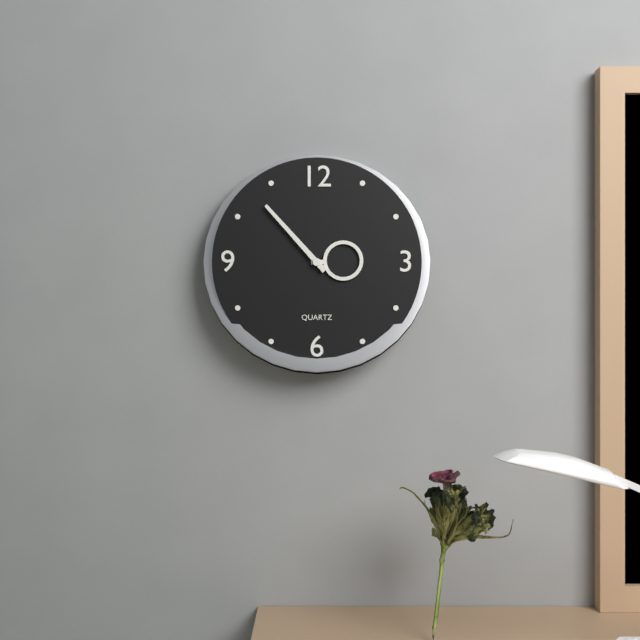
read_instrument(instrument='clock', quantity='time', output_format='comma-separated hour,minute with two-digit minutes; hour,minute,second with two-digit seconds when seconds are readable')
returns 2,53
